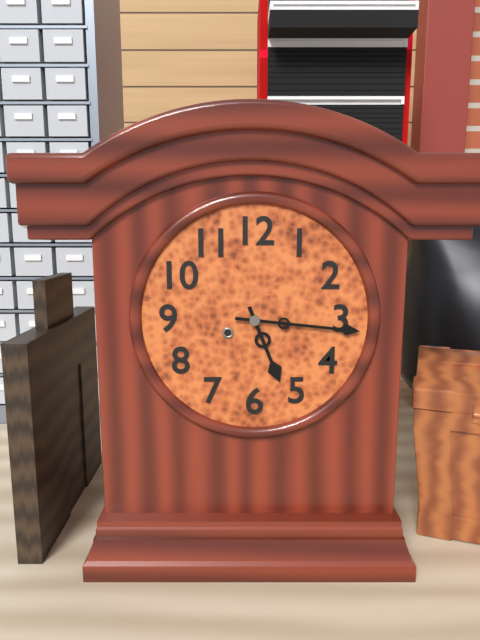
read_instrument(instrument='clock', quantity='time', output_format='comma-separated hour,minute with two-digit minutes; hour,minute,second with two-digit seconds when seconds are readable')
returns 5,16
